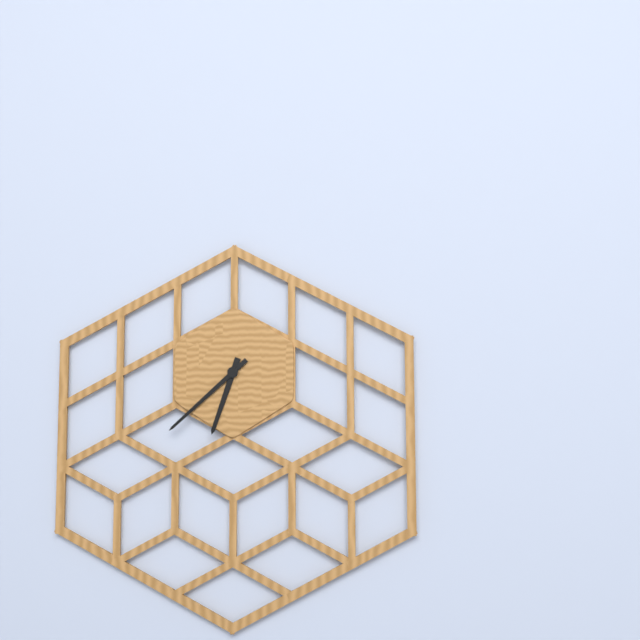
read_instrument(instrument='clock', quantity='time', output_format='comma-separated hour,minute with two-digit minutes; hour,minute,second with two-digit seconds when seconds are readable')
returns 6,38
